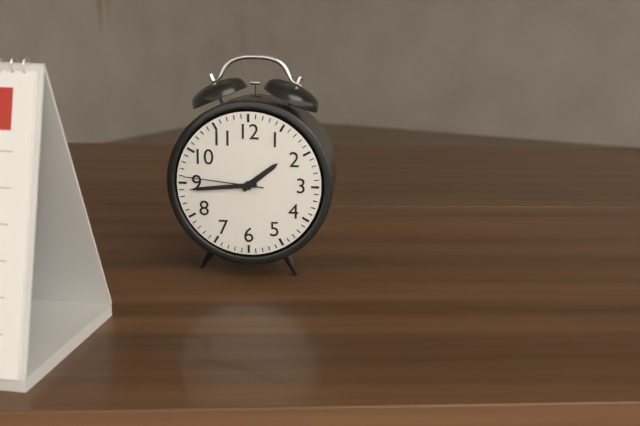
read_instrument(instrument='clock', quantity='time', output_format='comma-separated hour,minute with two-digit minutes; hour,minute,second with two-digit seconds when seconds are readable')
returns 1,44,46
